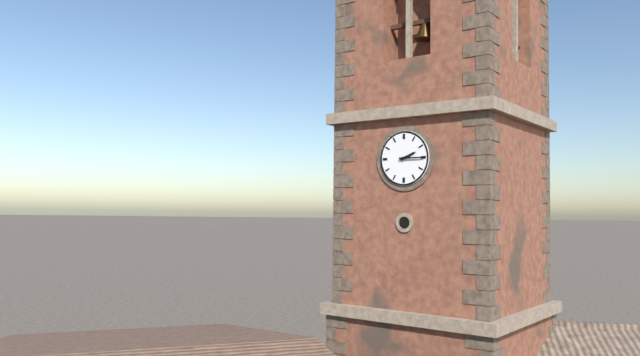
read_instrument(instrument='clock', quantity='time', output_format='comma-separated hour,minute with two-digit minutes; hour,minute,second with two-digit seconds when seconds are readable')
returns 2,15
